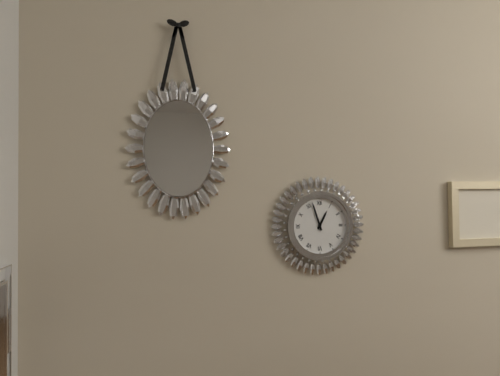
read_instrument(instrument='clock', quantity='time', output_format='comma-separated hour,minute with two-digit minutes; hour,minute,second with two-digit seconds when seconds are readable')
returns 12,57
